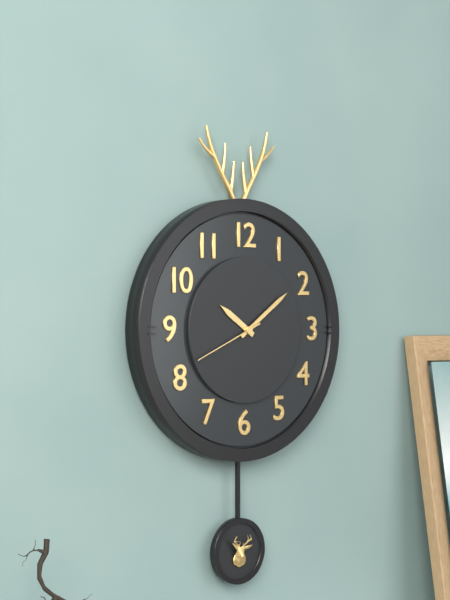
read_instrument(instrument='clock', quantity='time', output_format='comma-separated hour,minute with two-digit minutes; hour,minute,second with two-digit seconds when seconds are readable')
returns 10,09,41
